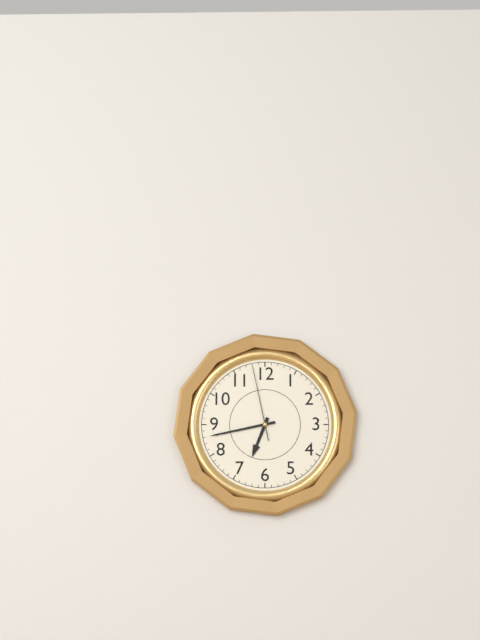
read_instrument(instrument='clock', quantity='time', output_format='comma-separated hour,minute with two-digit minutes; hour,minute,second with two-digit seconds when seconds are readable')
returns 6,43,58
